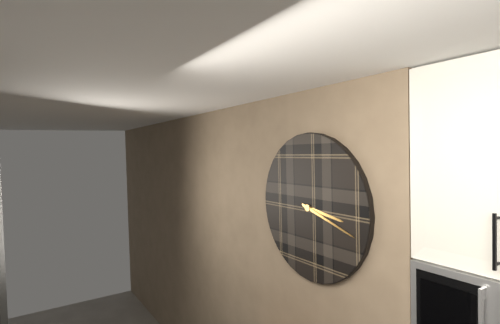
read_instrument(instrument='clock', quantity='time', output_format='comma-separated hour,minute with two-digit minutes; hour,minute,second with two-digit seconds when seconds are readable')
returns 3,18
